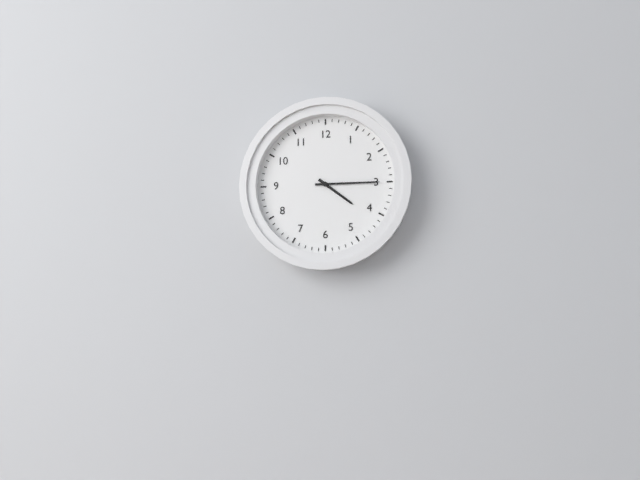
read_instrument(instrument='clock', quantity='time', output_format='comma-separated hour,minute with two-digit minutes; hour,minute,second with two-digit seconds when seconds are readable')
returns 4,15
